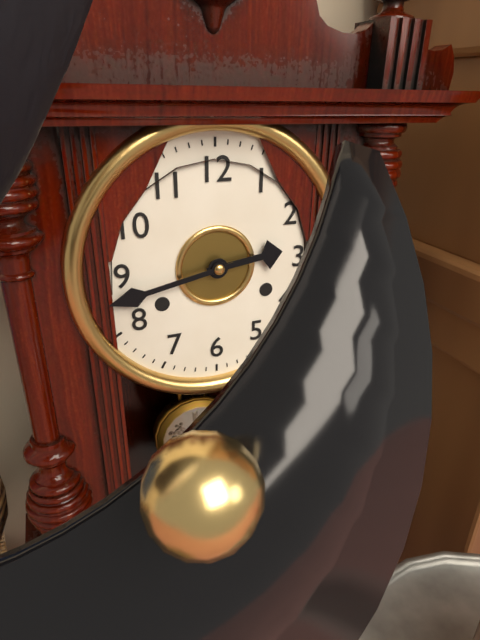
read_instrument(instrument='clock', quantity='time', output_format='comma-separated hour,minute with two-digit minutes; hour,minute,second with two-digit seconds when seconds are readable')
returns 2,43
